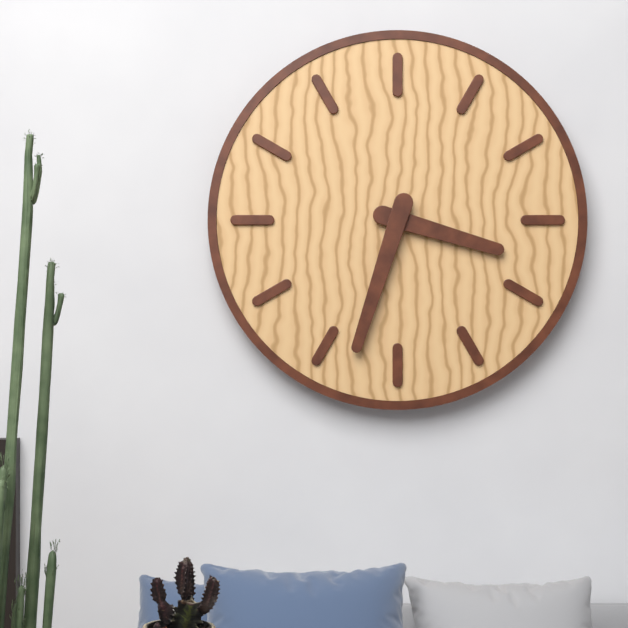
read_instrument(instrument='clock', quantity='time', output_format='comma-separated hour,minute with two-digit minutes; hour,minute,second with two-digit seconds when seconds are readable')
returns 3,33
